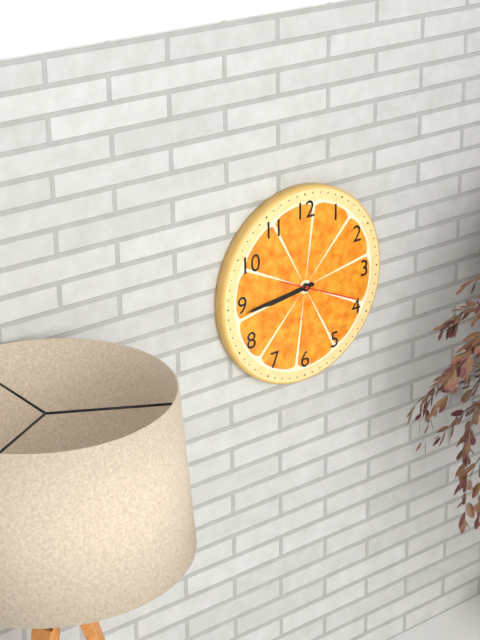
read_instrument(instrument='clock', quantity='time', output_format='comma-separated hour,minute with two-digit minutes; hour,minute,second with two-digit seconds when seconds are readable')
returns 8,44,19
